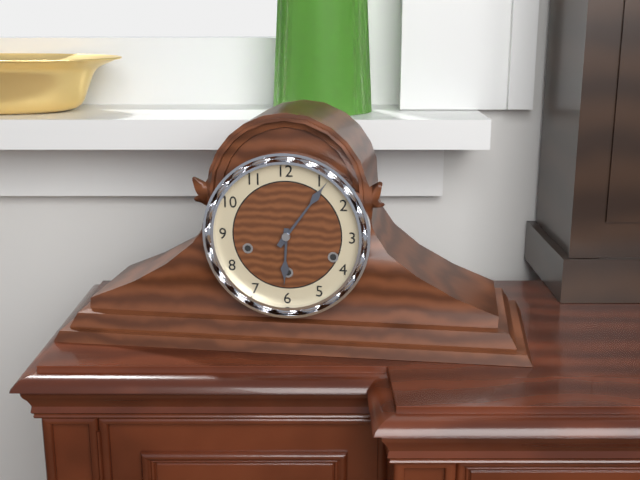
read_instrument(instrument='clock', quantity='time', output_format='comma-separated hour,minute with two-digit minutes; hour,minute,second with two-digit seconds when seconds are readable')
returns 6,06
